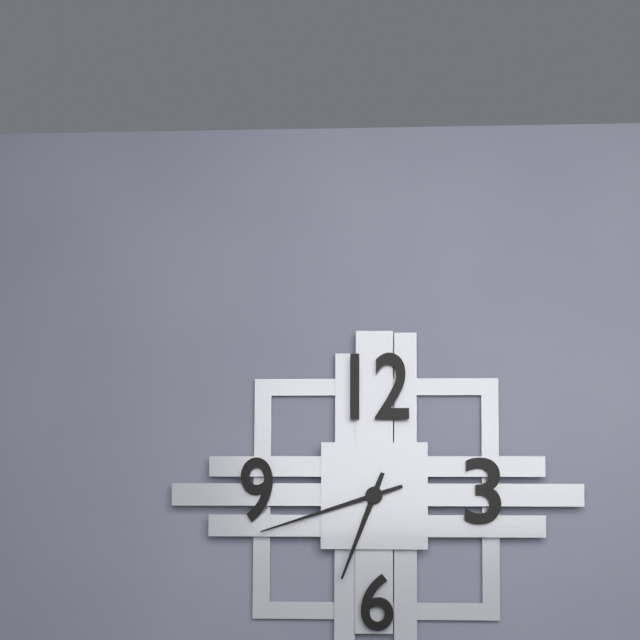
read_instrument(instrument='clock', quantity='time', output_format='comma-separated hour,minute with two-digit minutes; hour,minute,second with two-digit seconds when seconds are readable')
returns 6,42
